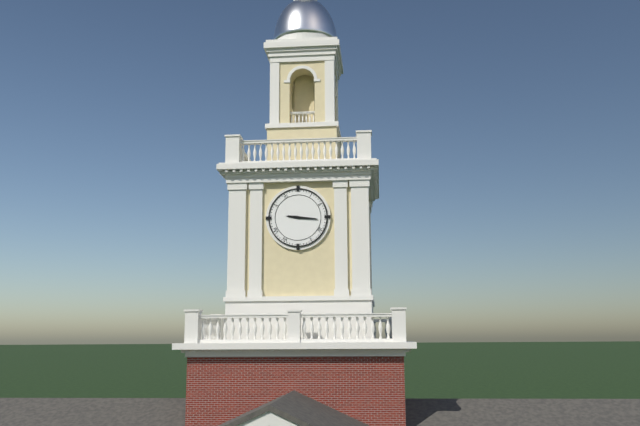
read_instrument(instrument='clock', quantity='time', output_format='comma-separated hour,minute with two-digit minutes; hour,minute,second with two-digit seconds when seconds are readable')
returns 9,16
